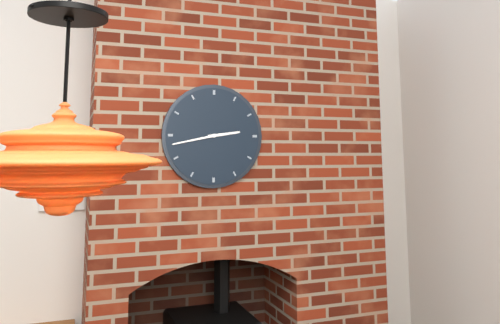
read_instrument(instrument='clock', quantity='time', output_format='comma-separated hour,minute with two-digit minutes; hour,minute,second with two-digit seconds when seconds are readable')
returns 2,43
